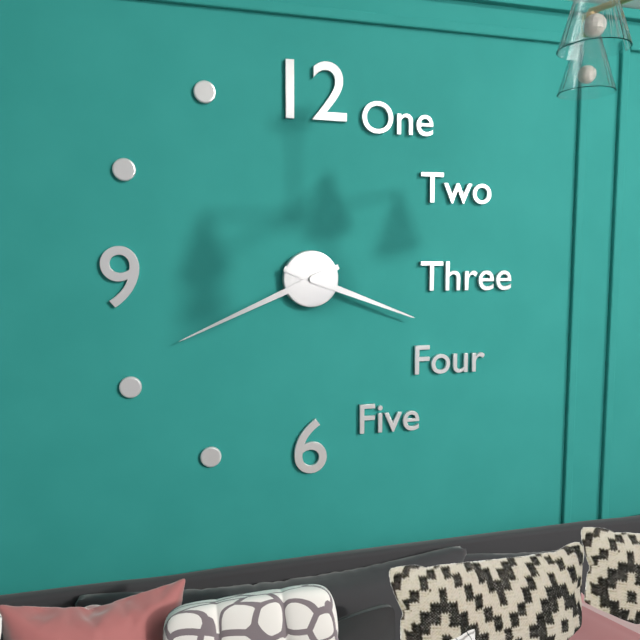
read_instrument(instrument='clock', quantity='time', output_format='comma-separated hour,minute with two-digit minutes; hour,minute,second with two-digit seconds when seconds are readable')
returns 3,41
